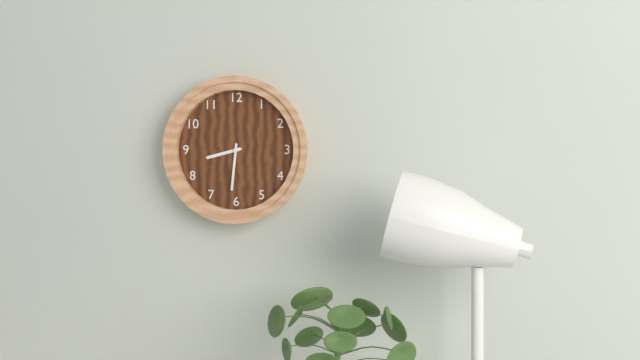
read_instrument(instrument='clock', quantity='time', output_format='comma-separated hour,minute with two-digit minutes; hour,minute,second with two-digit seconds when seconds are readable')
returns 8,31
